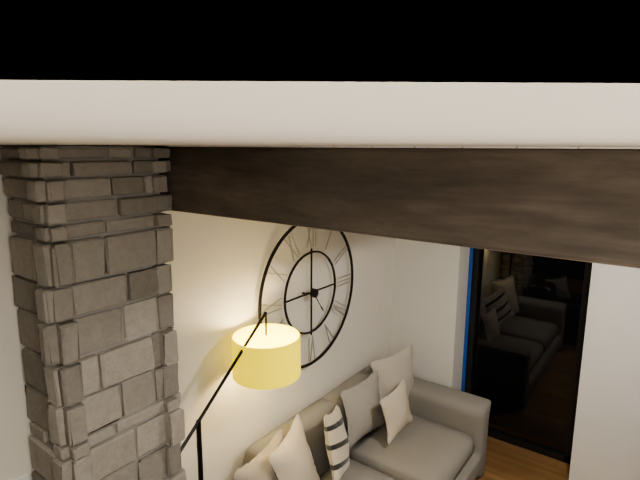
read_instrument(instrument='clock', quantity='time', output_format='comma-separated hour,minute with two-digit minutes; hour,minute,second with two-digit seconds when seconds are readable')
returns 9,24
